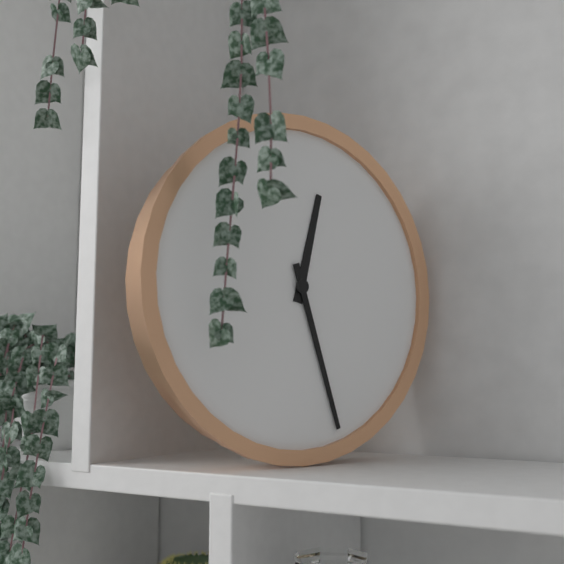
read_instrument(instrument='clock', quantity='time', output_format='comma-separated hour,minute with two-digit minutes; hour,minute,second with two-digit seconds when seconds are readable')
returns 12,27
